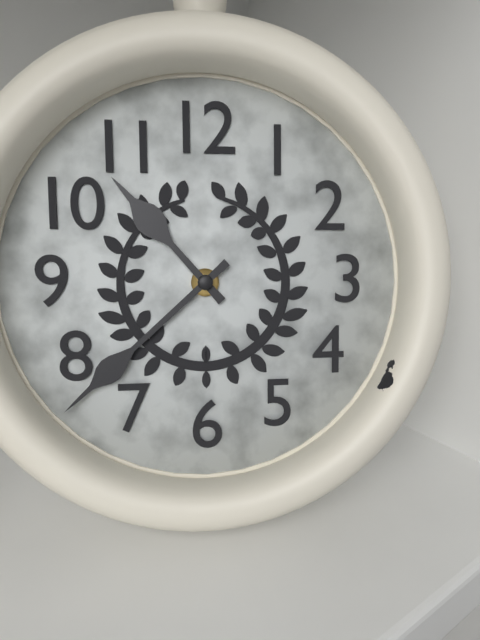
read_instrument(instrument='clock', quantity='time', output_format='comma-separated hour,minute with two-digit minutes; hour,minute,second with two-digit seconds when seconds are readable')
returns 10,38
